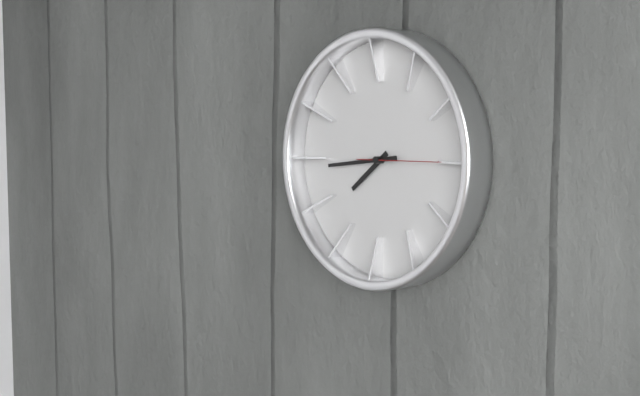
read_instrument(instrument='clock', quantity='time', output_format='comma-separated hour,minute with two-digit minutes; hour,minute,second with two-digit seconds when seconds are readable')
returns 7,44,15
